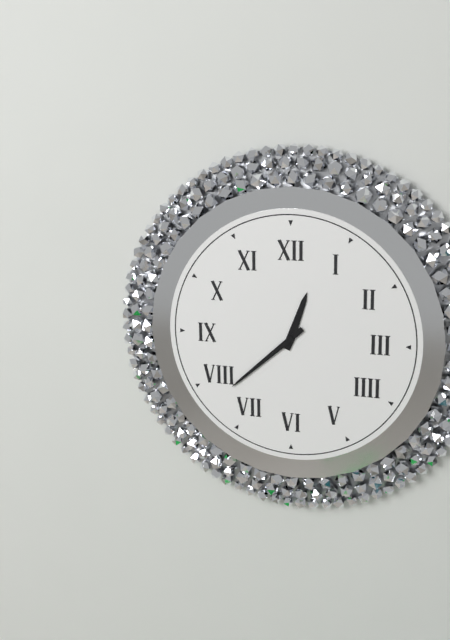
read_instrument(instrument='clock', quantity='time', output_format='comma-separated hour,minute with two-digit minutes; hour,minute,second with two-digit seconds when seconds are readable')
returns 12,38
